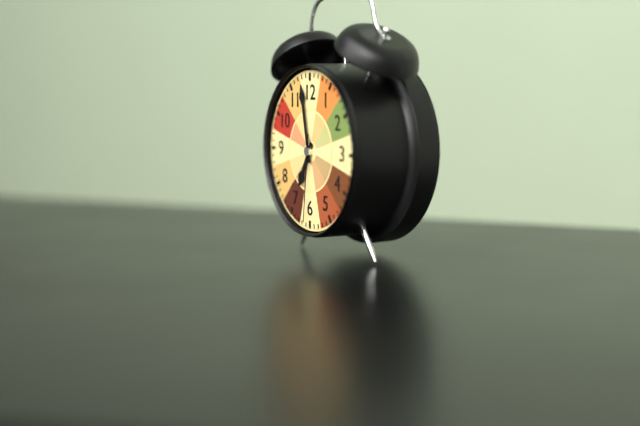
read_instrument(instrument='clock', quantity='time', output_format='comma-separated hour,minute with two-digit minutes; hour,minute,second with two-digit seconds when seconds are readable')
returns 6,58,31
